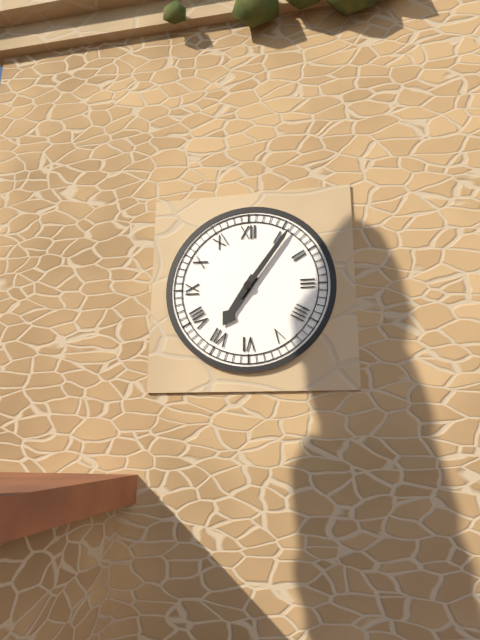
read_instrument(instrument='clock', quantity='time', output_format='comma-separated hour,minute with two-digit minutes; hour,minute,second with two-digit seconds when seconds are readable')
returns 7,06
